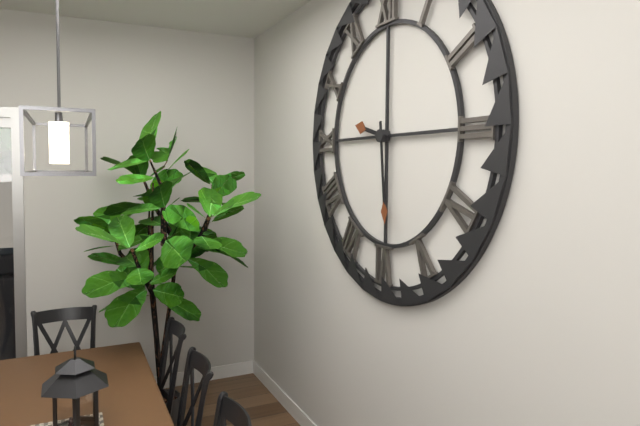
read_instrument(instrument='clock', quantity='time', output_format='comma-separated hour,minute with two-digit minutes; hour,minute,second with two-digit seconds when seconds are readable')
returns 9,29
